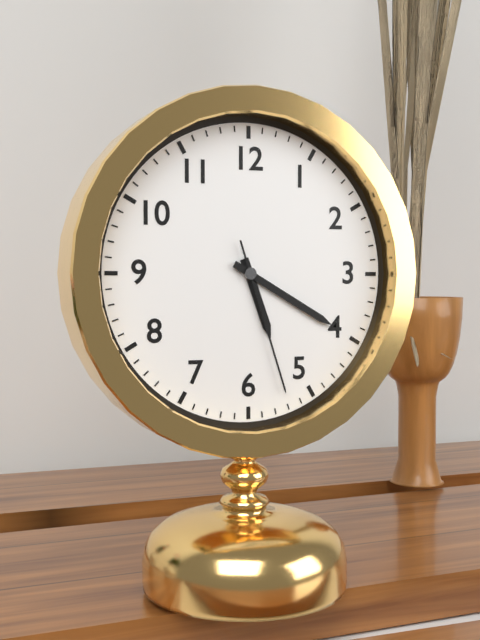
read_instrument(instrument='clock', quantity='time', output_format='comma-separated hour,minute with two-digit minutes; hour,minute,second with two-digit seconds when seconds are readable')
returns 5,20,27
